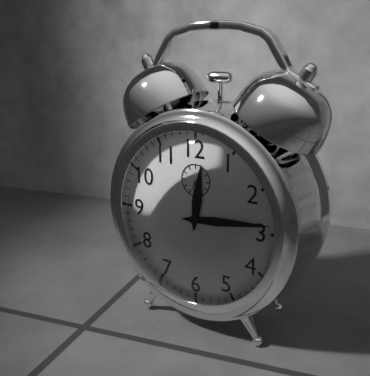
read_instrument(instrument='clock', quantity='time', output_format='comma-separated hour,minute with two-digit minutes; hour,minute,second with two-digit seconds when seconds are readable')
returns 12,14
